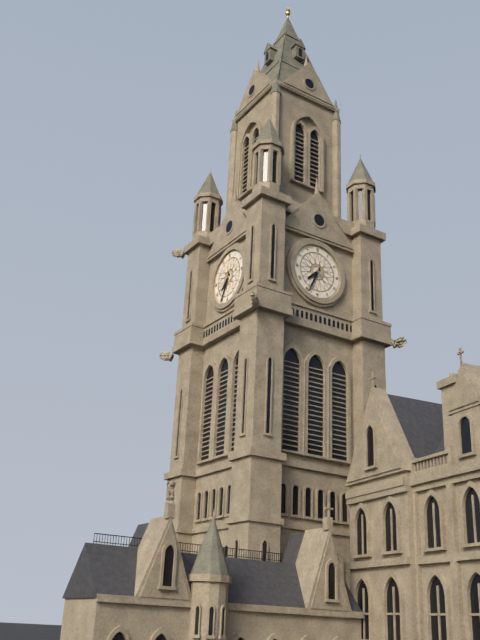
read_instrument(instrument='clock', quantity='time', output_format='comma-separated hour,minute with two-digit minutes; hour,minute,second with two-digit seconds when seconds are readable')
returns 7,34
